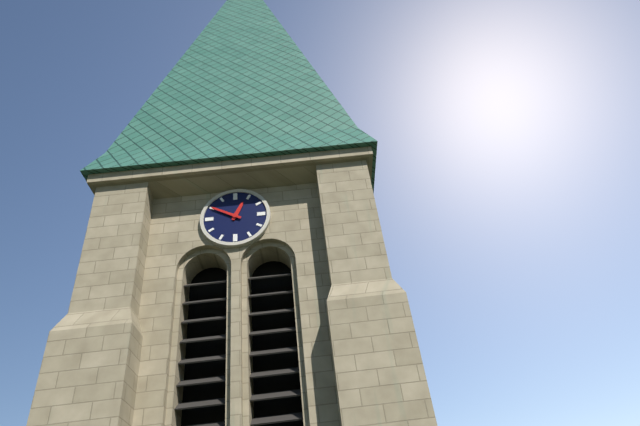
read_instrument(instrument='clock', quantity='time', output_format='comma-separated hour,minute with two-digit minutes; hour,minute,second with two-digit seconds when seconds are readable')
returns 12,50
